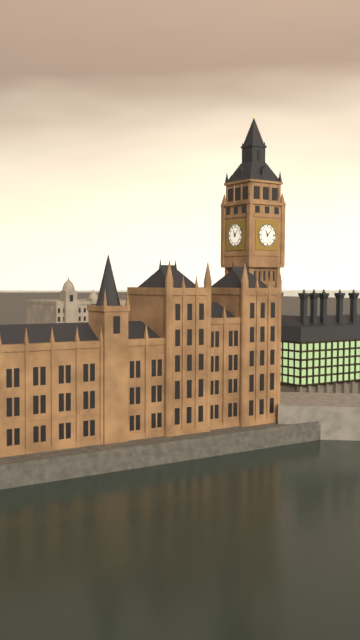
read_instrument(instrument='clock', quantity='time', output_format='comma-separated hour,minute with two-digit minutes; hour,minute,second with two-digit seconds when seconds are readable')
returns 11,07
